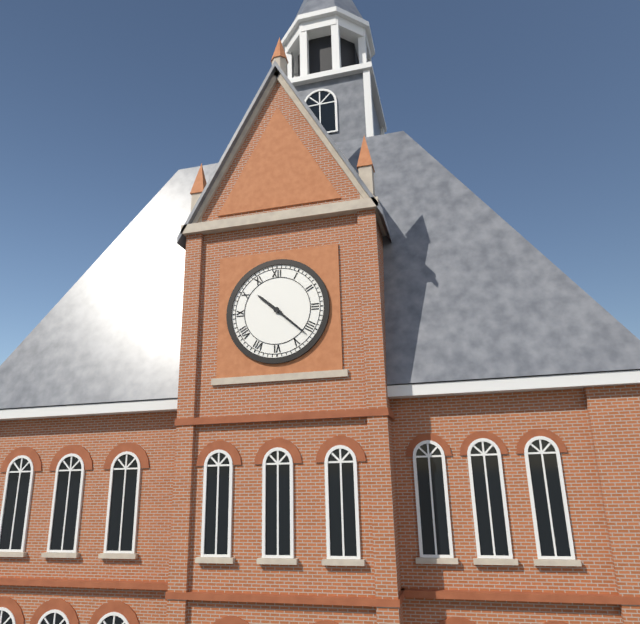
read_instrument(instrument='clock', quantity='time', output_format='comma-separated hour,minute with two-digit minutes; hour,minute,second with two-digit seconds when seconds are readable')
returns 10,22
